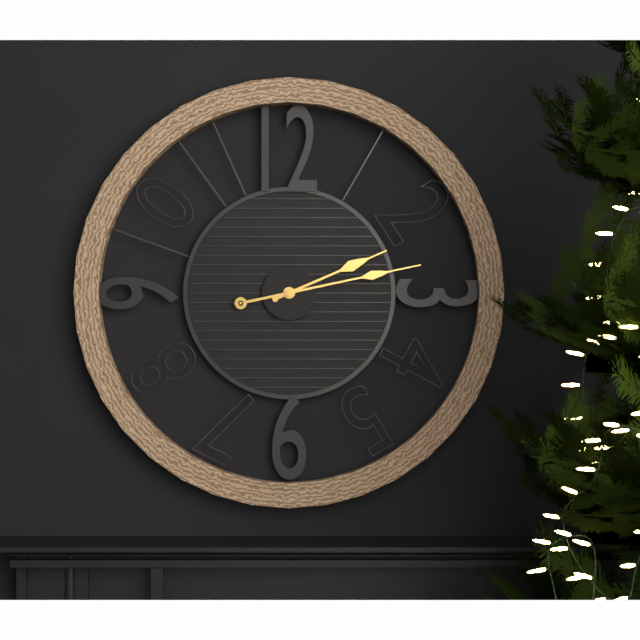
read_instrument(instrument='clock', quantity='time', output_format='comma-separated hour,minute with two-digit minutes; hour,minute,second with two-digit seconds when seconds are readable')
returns 2,13
